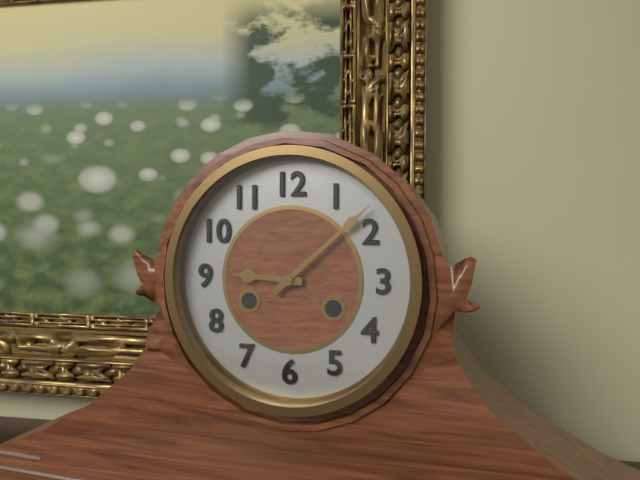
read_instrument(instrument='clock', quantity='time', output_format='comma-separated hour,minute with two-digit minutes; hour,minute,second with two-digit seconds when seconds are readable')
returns 9,08
